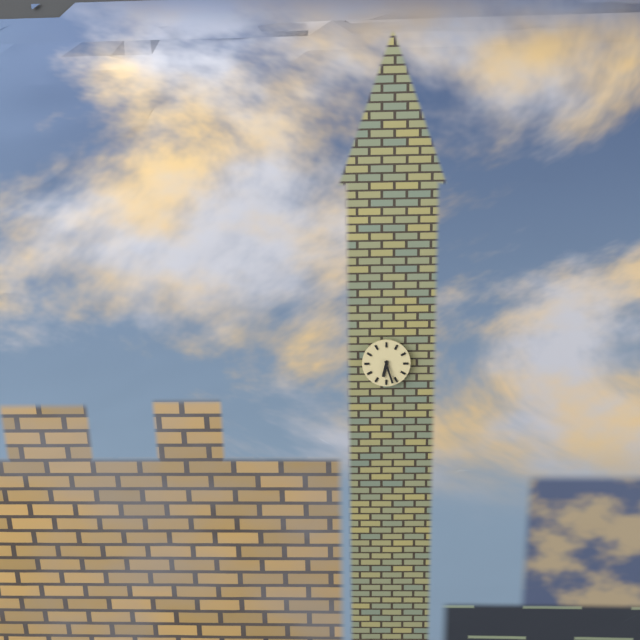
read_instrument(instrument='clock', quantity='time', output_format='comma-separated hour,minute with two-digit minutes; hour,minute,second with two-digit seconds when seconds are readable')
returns 6,27
